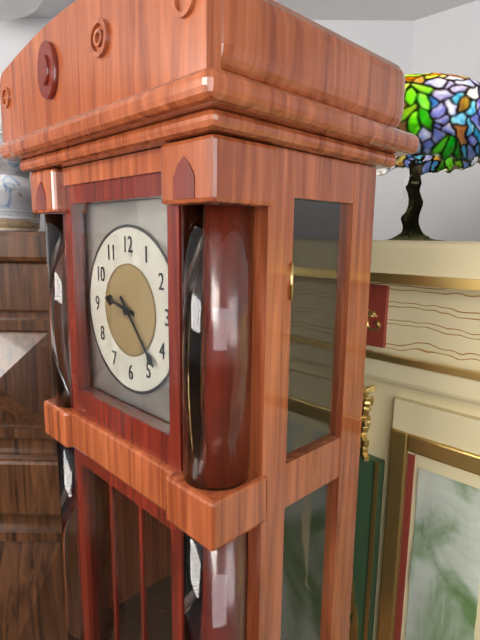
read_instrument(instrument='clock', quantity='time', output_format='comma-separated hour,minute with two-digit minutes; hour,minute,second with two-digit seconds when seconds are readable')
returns 9,23
